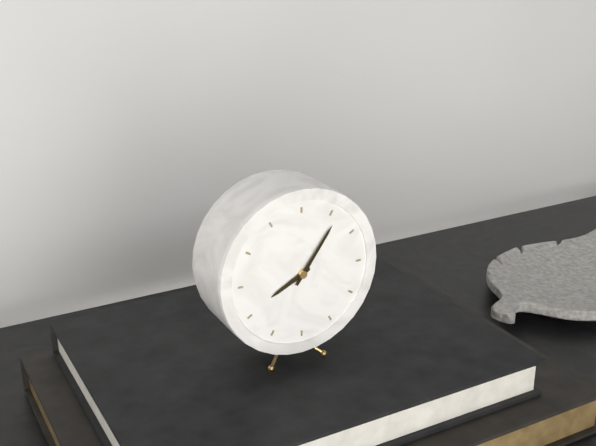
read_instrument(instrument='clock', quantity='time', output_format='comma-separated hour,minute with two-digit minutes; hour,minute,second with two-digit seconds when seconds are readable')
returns 8,06
